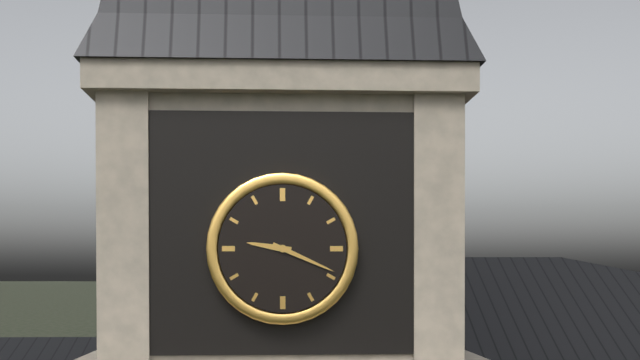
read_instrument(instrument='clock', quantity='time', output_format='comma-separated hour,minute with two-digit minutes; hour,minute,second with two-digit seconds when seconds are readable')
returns 9,19
